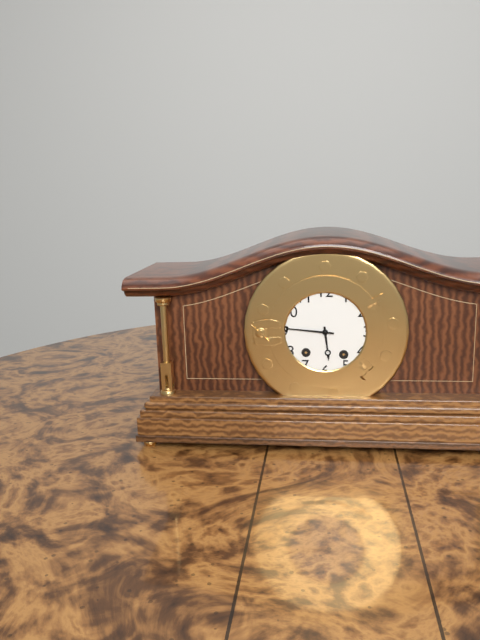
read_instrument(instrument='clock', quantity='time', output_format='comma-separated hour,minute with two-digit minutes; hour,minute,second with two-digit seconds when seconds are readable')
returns 5,46
